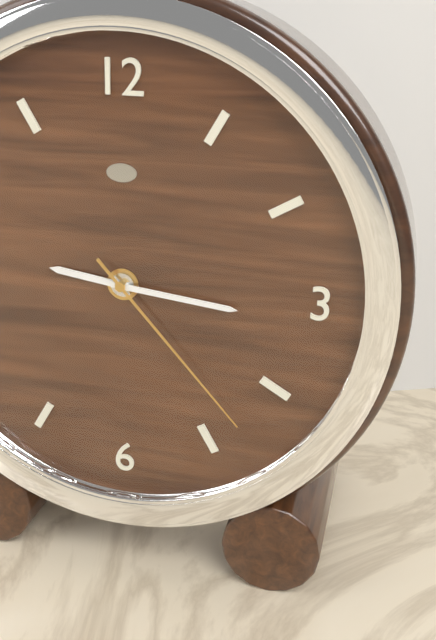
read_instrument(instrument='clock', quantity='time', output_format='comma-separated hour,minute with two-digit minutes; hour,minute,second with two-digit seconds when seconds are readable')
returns 9,16,23
